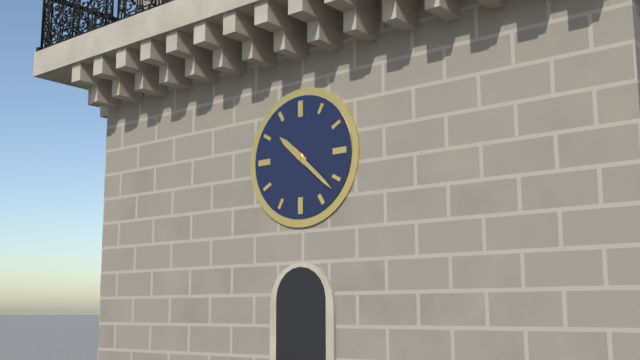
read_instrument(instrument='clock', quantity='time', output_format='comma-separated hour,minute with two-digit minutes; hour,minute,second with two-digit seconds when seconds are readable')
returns 10,22
